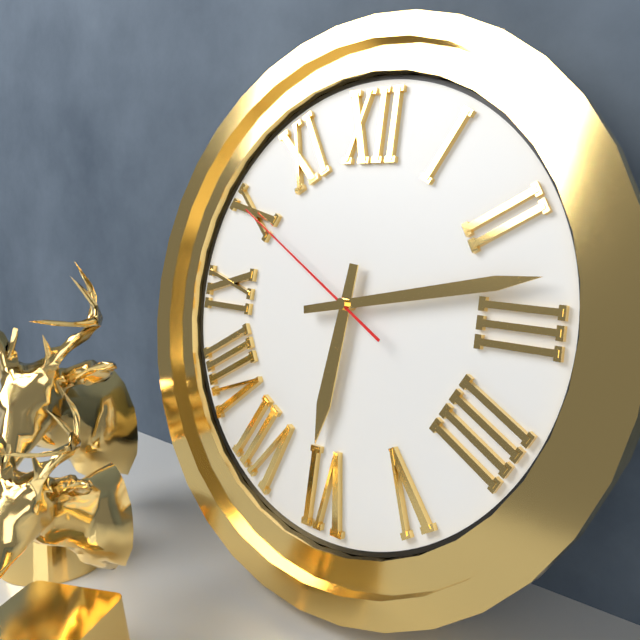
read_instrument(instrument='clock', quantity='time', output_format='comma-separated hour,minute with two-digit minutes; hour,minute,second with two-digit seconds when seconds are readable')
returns 6,13,50
